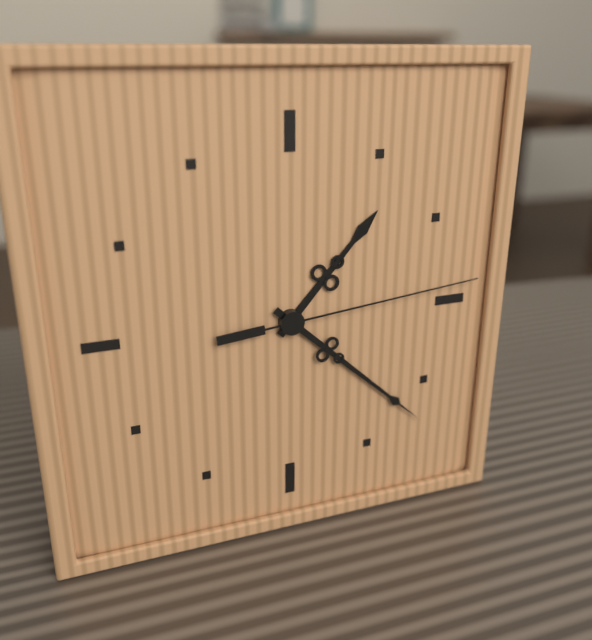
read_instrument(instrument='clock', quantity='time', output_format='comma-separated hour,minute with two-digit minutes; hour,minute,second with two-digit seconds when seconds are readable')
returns 1,22,14
